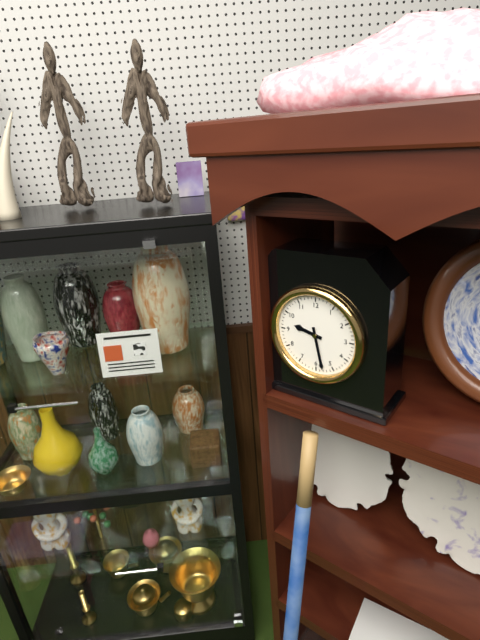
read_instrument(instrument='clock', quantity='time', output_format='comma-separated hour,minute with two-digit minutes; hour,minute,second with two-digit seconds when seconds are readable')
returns 9,28
